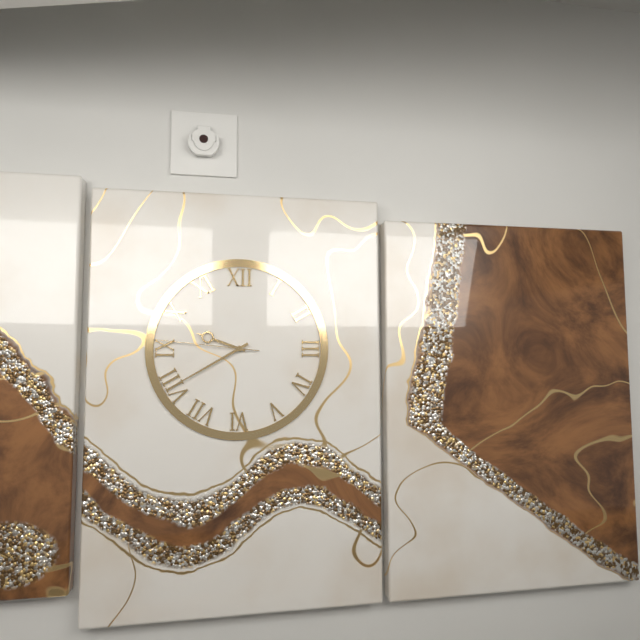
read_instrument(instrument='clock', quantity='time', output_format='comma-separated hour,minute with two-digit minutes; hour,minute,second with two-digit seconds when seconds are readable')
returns 9,40,46
